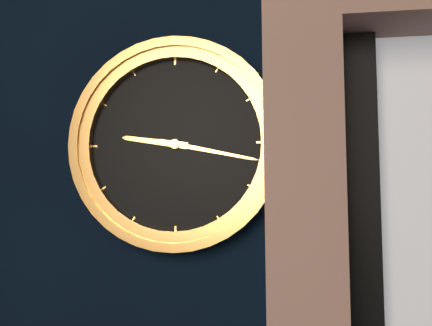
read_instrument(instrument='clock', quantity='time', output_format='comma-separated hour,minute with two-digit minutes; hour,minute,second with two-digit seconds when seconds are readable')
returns 9,17
